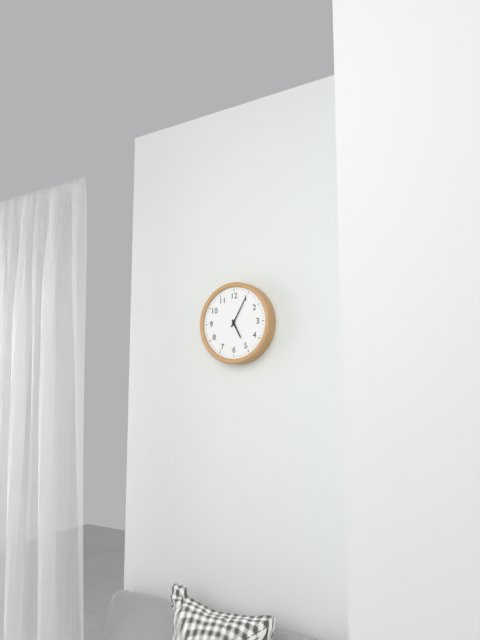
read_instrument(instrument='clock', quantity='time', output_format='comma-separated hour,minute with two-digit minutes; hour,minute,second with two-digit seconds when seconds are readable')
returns 5,05
